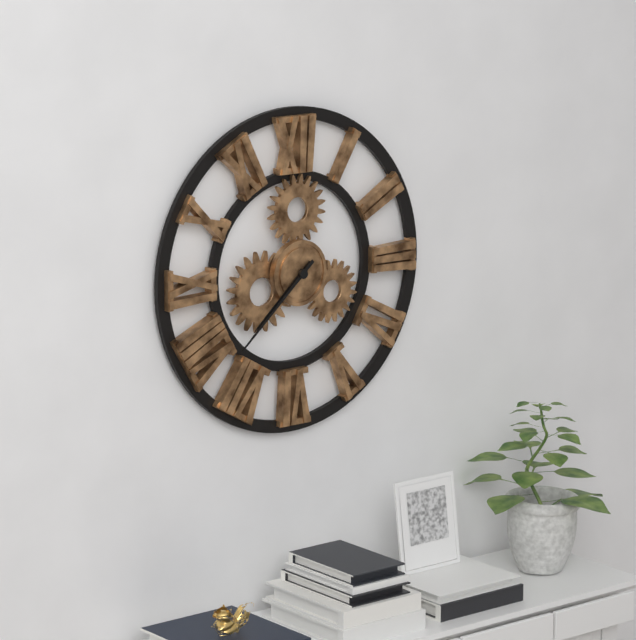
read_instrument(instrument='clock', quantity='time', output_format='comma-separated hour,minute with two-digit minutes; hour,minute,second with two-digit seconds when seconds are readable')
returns 7,38
